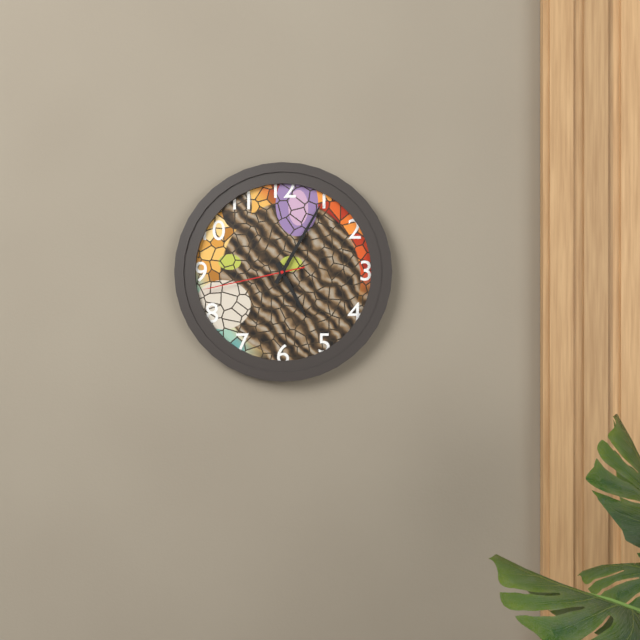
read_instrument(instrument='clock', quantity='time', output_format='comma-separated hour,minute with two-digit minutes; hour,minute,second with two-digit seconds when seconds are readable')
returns 5,05,43
